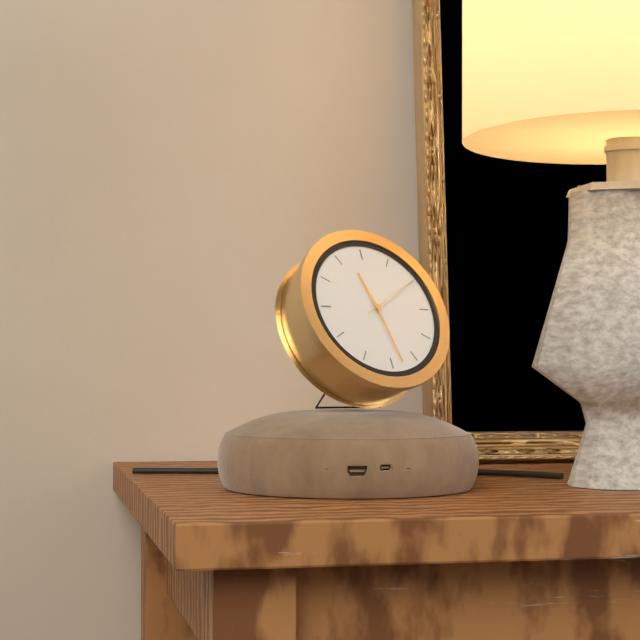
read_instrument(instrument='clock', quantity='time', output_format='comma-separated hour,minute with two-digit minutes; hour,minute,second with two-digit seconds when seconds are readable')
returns 11,28,10
